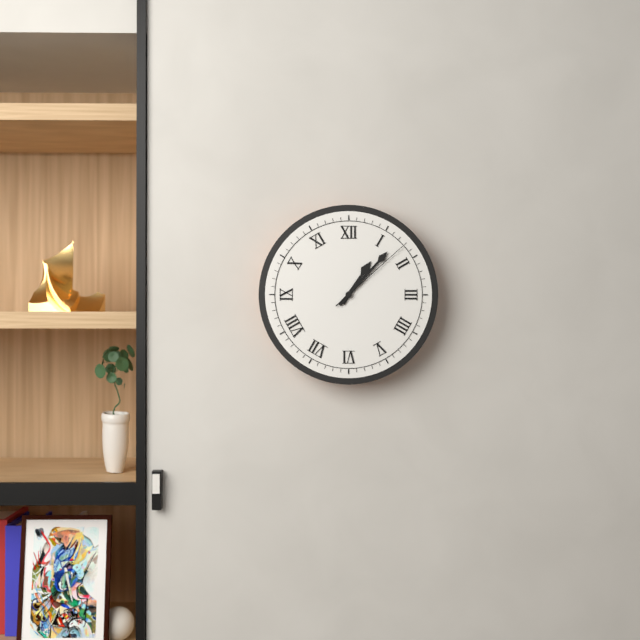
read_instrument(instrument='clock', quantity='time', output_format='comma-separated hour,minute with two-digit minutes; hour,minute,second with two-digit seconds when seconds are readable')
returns 1,07,08
